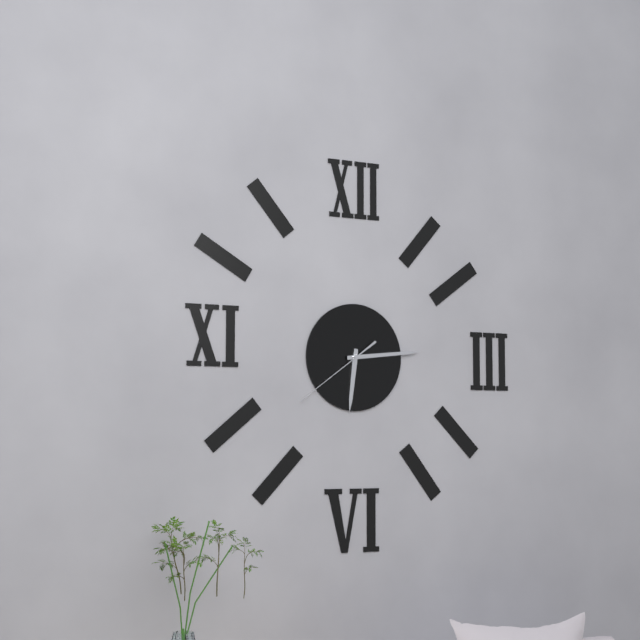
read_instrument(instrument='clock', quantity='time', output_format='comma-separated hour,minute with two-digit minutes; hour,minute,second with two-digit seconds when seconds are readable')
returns 6,14,39
